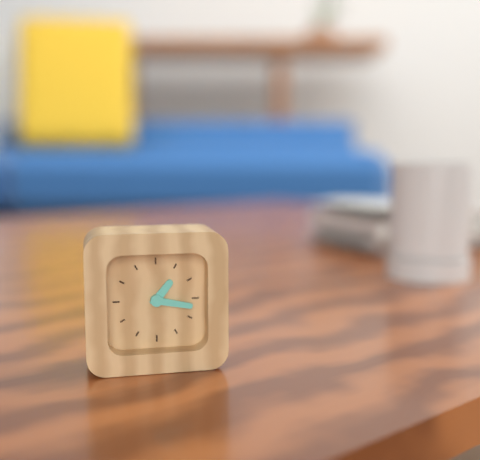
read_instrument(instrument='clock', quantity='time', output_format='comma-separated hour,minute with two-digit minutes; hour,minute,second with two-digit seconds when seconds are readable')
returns 1,17
